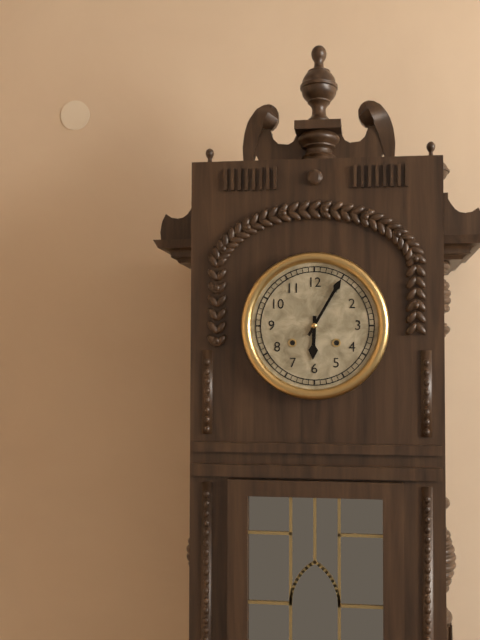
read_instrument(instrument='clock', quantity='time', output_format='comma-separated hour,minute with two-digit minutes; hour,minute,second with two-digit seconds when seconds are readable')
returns 6,05
